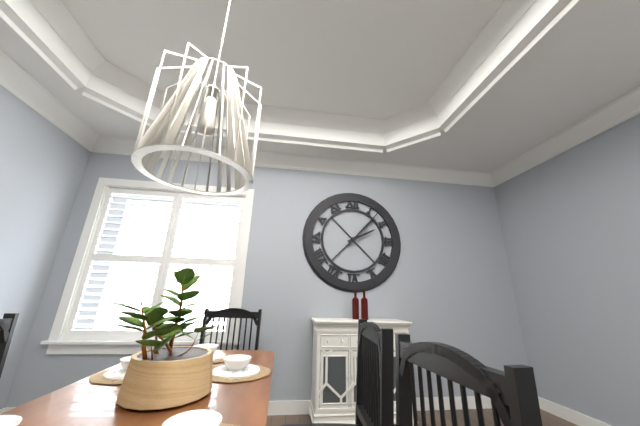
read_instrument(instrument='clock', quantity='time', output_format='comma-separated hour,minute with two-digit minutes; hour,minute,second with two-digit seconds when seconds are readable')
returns 2,07
